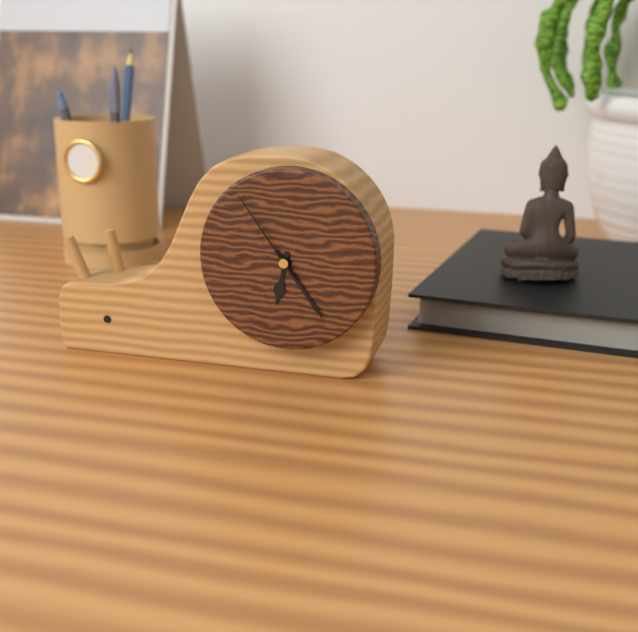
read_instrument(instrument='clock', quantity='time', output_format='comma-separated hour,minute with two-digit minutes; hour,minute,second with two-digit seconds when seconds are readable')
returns 6,24,54
